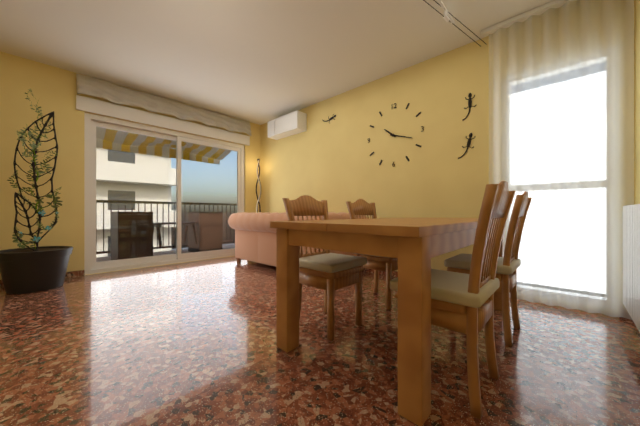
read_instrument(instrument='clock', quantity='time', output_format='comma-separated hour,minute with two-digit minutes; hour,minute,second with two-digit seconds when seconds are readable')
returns 10,18
